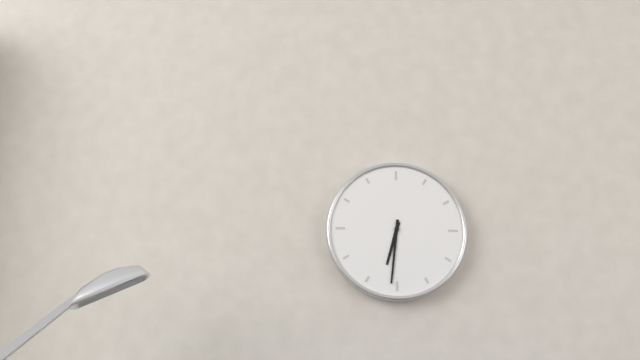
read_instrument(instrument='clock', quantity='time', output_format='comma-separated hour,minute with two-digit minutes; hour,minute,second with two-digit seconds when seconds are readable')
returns 6,31
